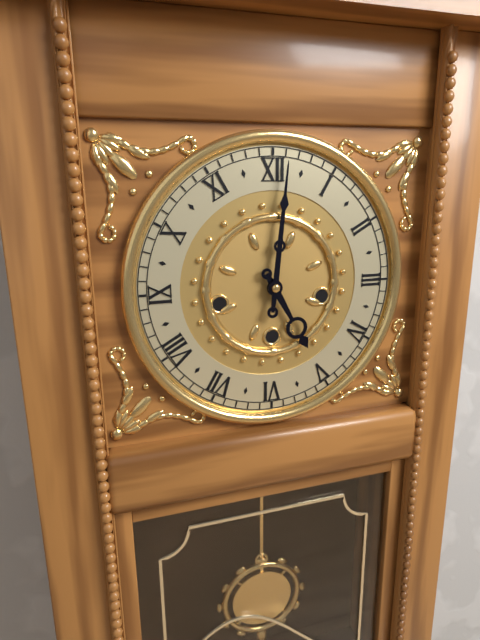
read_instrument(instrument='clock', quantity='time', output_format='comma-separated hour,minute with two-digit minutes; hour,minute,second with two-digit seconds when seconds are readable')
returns 5,01
